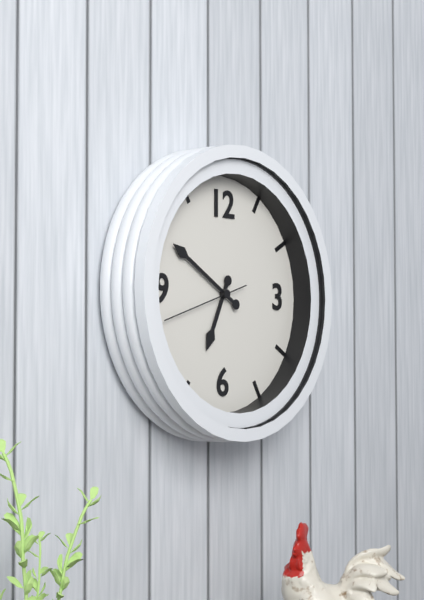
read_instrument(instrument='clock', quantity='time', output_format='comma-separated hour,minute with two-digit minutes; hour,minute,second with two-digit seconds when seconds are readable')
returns 6,50,42
